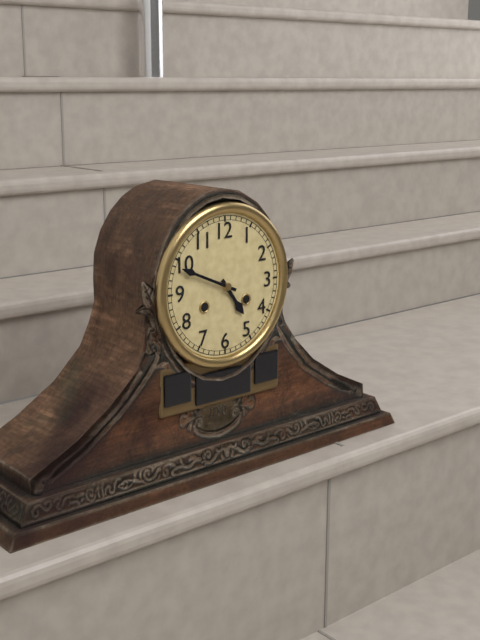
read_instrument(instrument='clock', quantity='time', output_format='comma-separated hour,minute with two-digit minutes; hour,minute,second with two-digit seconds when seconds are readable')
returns 4,49
